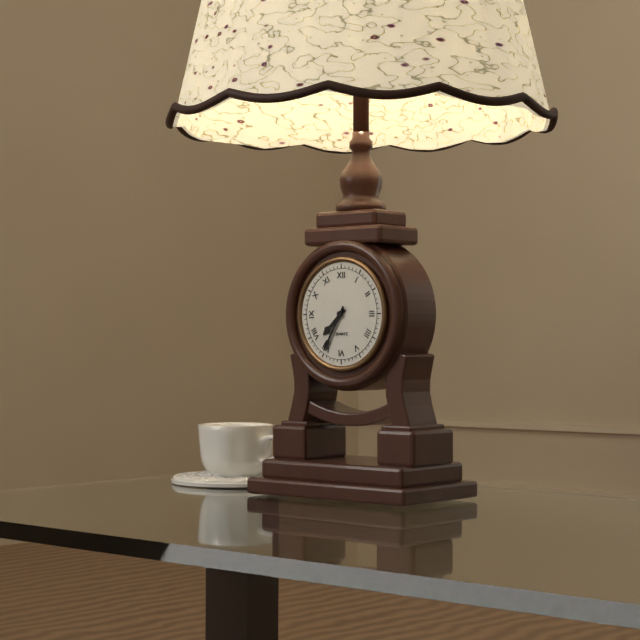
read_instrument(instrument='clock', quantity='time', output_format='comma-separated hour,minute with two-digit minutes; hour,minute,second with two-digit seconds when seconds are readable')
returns 7,35
